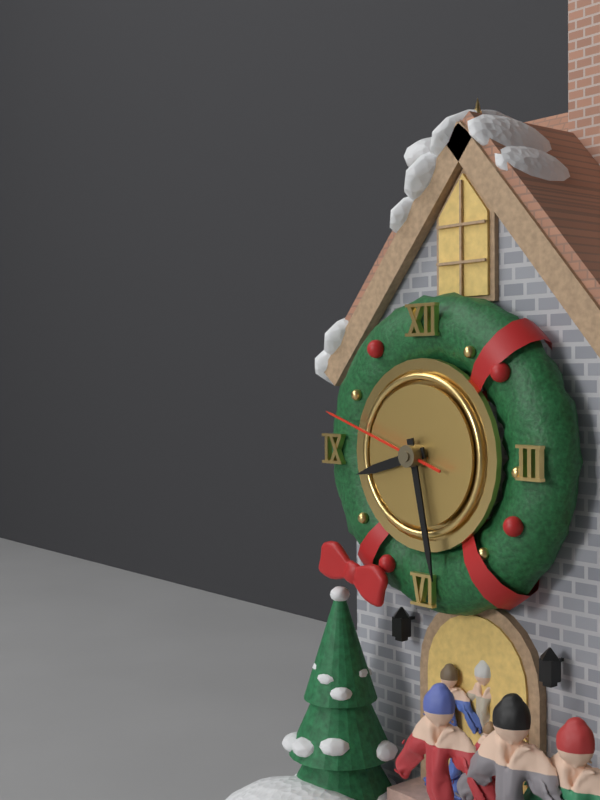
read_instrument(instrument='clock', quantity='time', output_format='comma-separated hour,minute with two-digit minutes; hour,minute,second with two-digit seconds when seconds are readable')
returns 8,28,48
